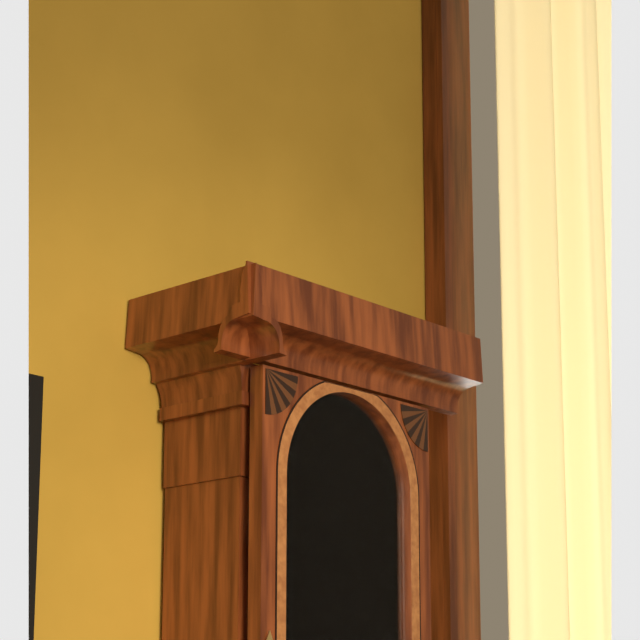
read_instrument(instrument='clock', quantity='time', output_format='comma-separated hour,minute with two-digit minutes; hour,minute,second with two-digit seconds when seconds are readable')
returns 10,22
